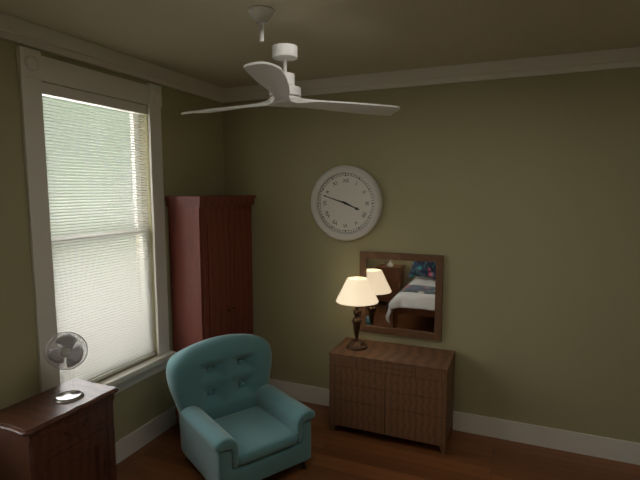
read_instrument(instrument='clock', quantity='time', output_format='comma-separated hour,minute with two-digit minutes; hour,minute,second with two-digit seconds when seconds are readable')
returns 3,48
